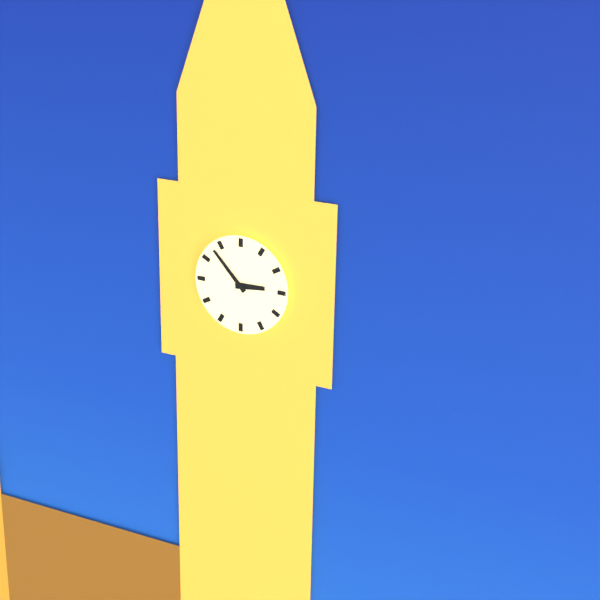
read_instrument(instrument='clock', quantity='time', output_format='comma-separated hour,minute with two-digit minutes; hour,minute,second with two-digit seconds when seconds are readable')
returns 2,53
